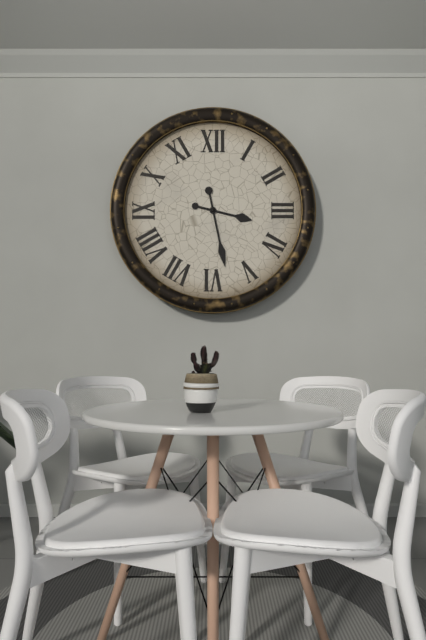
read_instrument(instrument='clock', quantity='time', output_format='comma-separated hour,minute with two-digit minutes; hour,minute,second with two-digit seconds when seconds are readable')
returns 3,28
